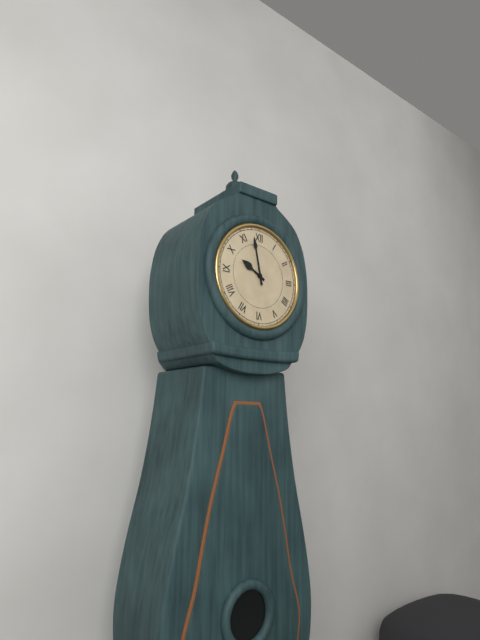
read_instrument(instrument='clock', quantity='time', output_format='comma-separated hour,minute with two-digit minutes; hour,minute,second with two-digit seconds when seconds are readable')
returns 9,58
